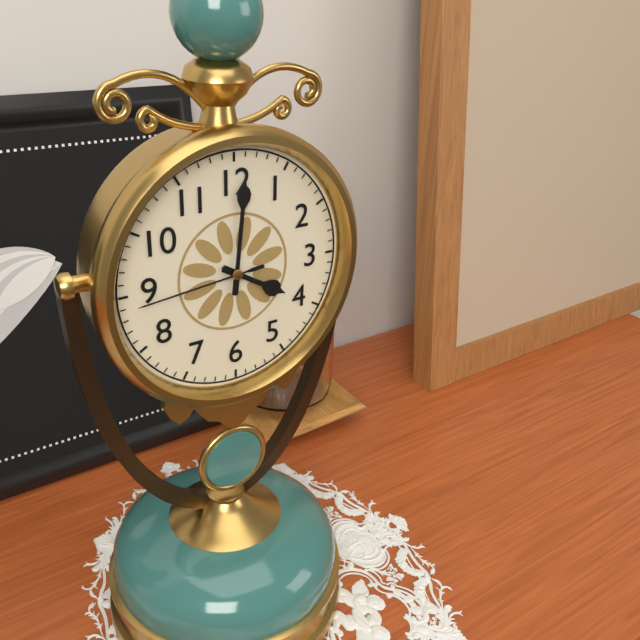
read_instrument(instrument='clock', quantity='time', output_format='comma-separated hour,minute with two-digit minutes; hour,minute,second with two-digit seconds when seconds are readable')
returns 4,01,44
